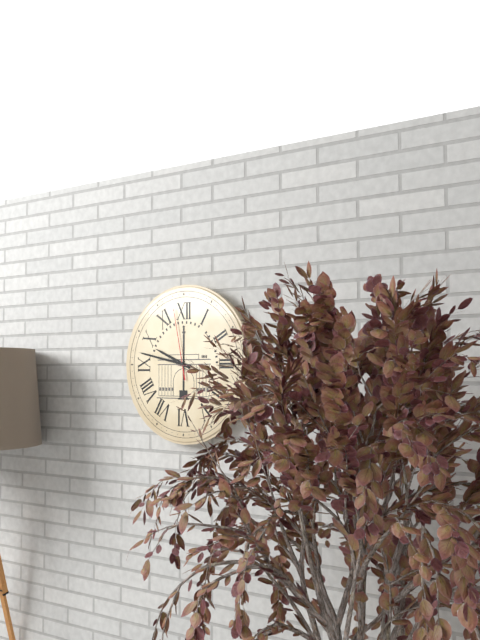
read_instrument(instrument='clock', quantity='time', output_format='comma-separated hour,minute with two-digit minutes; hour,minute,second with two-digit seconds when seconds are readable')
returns 9,47,58
